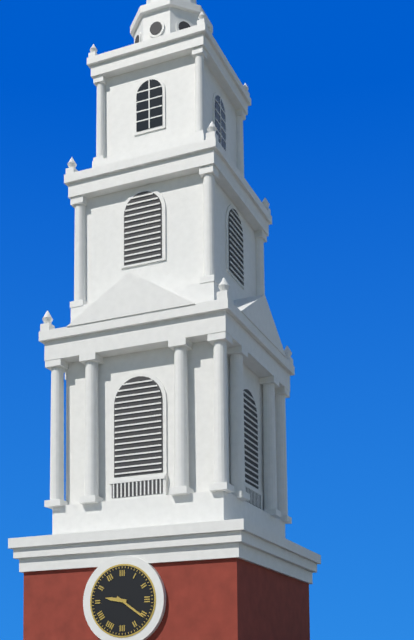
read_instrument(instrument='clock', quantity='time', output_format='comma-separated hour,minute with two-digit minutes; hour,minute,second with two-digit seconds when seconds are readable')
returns 9,21
